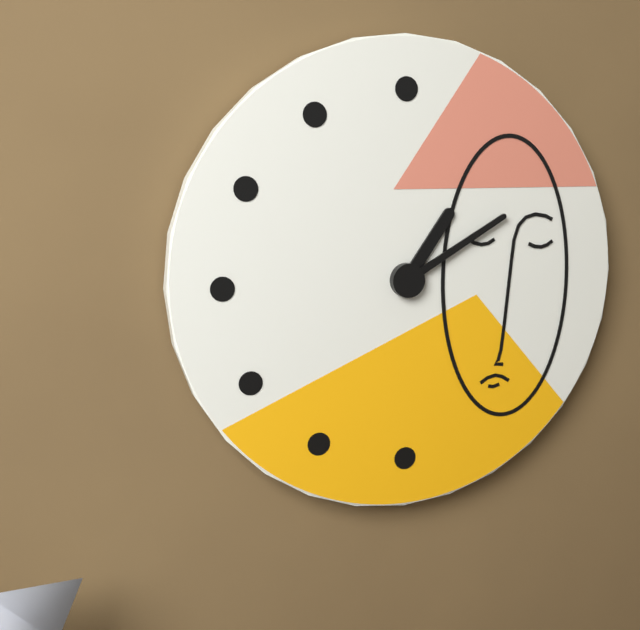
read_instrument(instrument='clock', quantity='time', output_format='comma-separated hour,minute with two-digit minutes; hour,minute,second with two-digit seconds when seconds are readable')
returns 1,10
